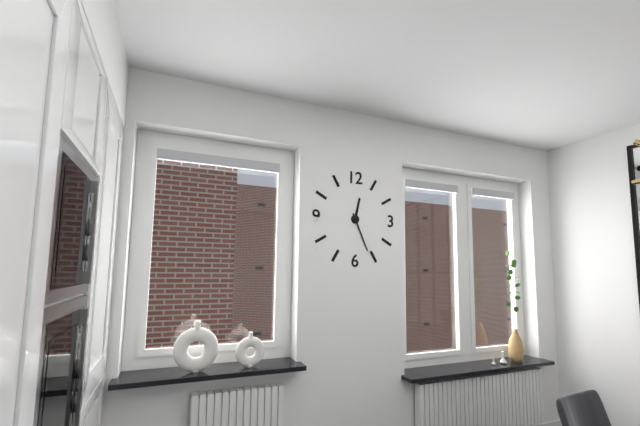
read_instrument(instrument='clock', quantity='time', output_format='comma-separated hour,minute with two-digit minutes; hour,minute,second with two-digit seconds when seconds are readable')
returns 12,26
